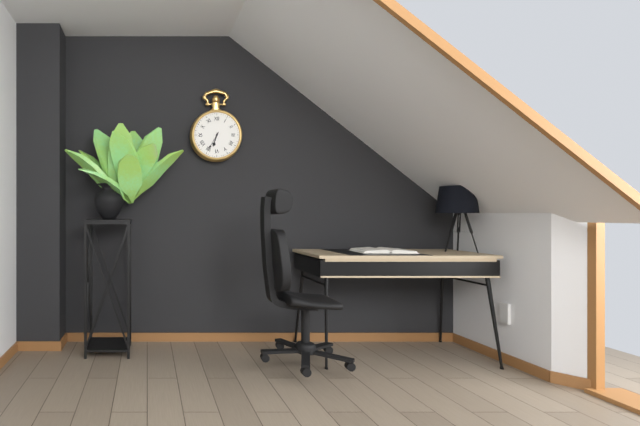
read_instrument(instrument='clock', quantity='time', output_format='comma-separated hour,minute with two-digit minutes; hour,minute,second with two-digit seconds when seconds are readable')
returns 6,35
